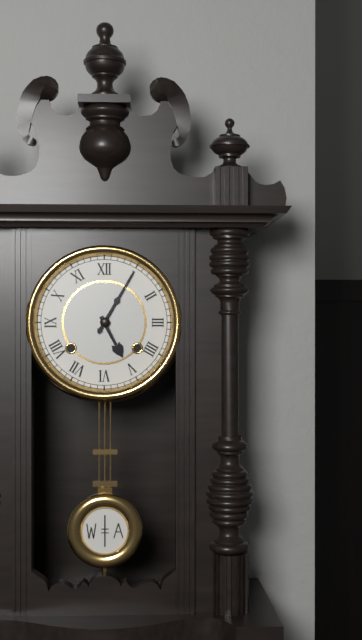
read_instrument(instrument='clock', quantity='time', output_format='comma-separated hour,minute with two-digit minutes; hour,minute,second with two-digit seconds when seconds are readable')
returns 5,05
